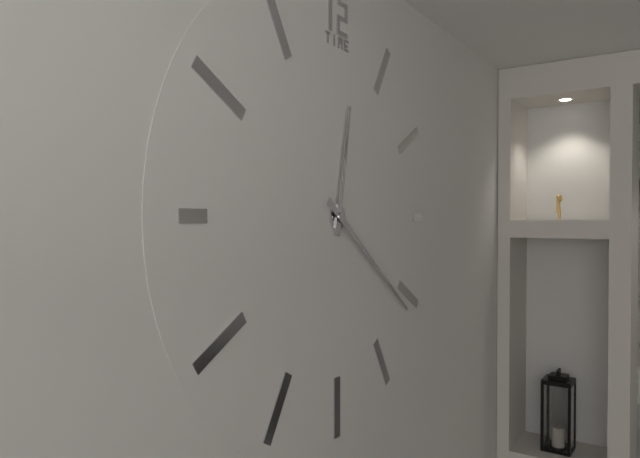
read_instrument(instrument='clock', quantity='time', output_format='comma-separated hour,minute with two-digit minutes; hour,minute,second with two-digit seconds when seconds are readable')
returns 12,21
